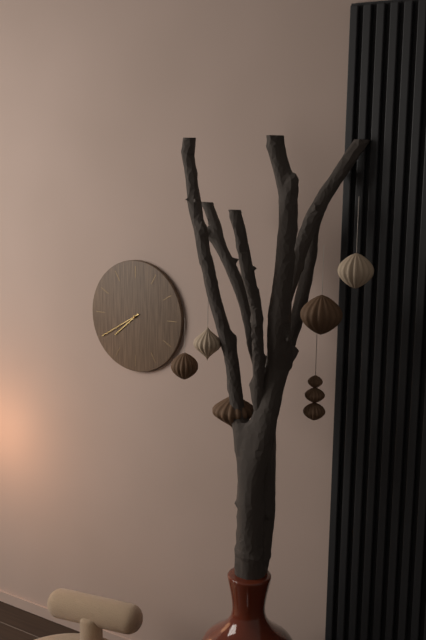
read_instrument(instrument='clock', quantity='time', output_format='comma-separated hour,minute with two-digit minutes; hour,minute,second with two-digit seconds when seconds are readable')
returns 7,40
